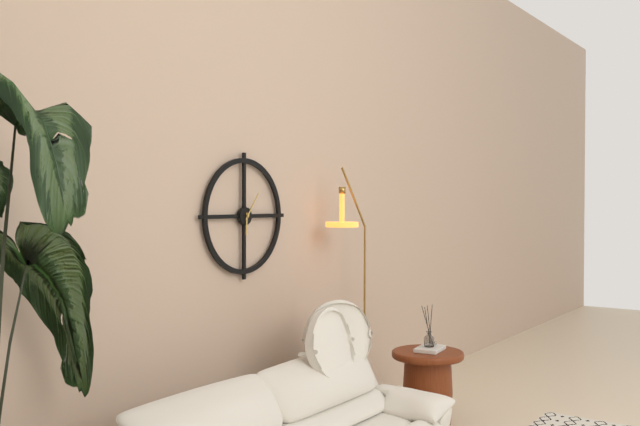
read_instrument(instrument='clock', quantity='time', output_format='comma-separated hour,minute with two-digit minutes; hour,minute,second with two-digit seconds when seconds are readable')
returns 6,06
